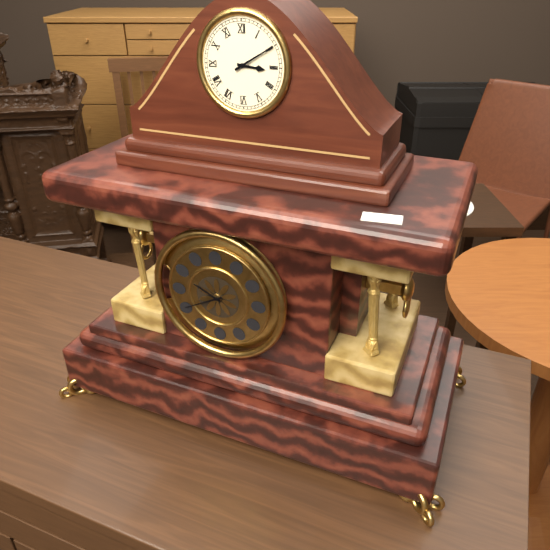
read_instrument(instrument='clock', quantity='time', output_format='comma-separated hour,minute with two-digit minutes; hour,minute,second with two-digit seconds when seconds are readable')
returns 3,10
